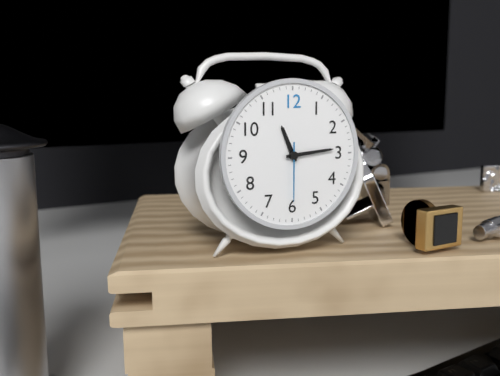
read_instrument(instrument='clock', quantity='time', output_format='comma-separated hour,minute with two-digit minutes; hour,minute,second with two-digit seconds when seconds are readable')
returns 11,14,30
